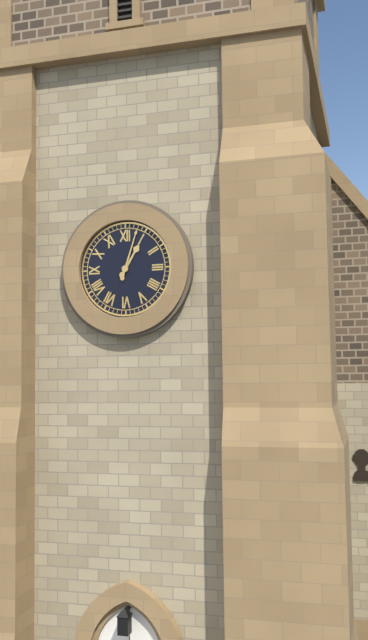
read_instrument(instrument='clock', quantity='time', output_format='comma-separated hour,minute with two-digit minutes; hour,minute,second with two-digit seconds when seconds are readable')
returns 1,03
